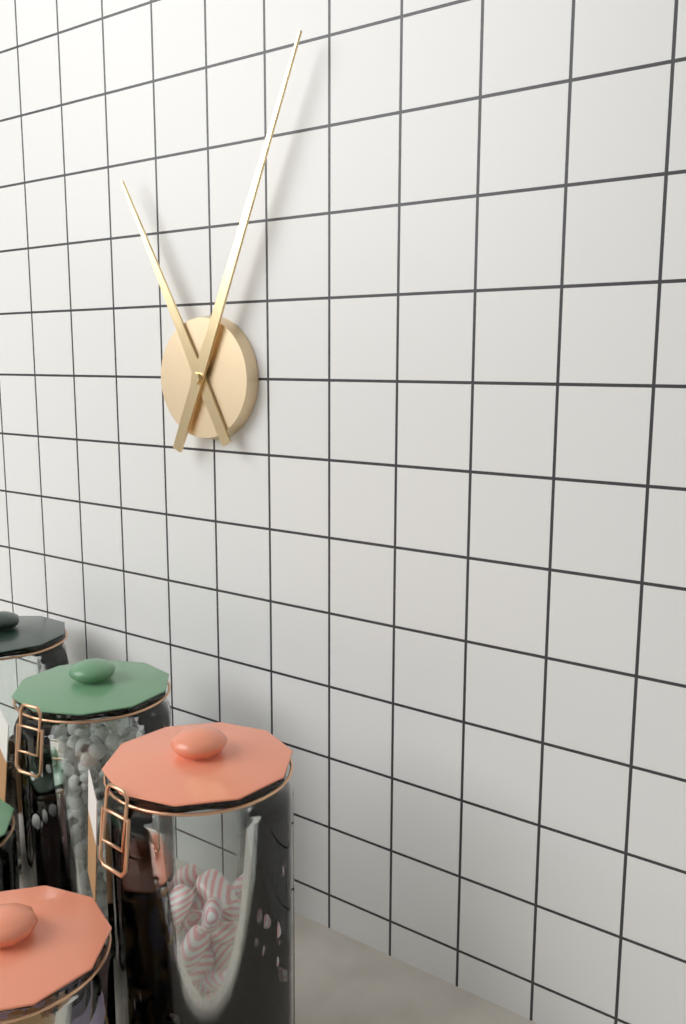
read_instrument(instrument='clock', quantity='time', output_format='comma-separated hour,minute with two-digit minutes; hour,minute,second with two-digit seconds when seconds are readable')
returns 11,04
